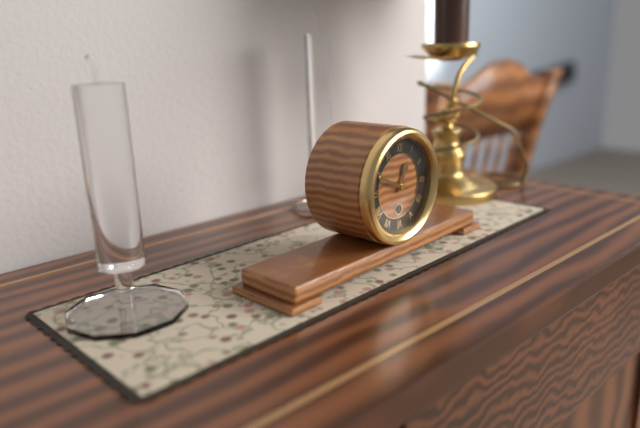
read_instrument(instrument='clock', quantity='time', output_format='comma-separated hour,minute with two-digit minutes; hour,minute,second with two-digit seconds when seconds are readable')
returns 12,49
